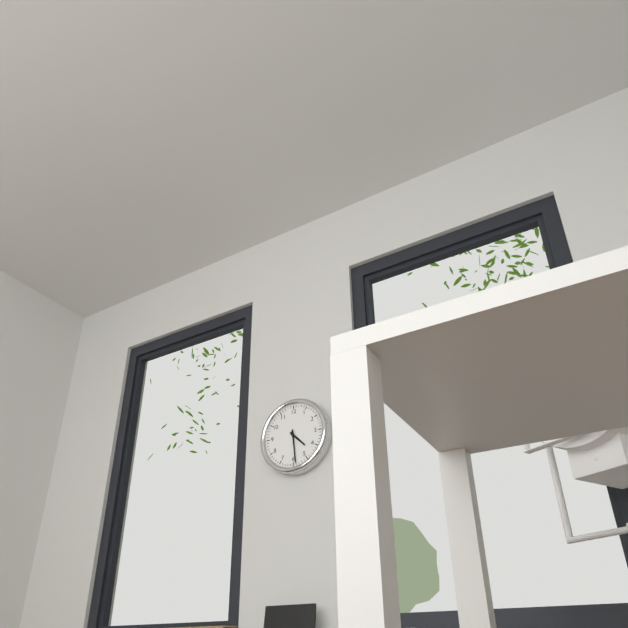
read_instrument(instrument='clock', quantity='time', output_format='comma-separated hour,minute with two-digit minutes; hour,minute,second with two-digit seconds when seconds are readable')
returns 4,29
